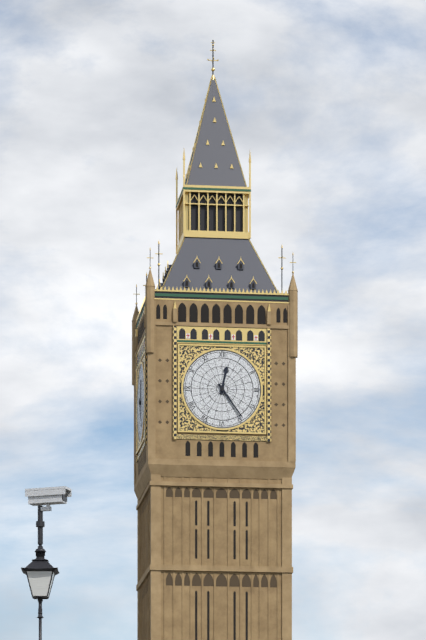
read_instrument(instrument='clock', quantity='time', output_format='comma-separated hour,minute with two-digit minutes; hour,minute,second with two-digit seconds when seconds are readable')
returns 12,24
